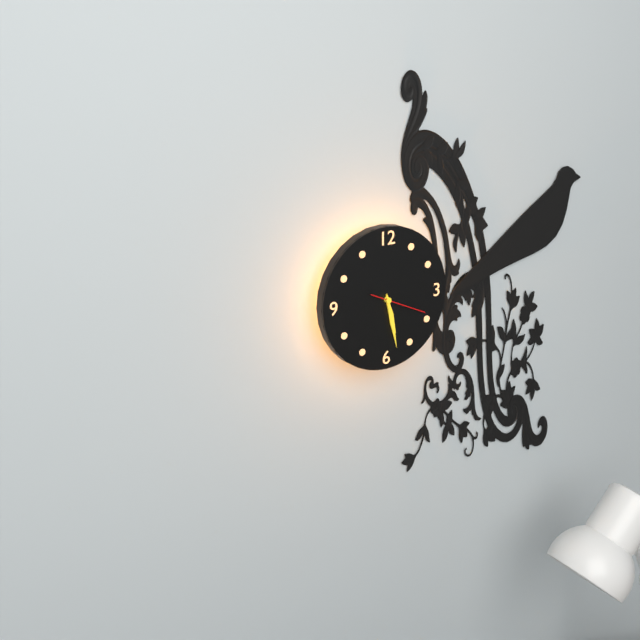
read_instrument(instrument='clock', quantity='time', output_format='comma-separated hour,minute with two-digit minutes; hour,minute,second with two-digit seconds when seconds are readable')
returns 5,28,19
